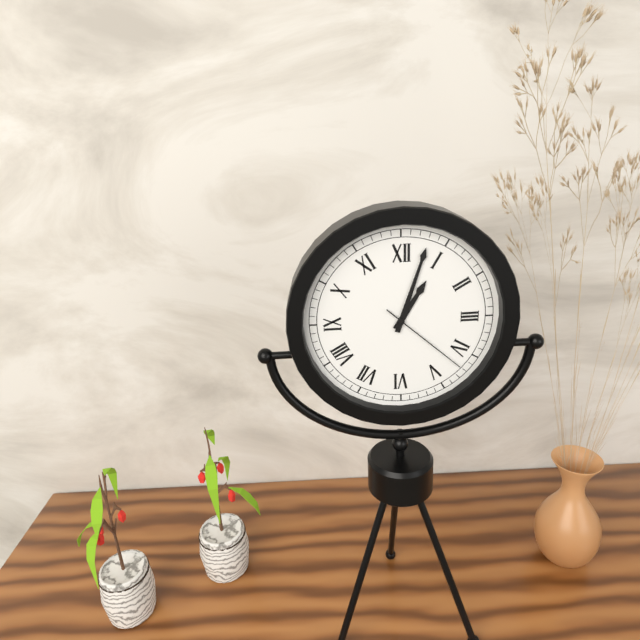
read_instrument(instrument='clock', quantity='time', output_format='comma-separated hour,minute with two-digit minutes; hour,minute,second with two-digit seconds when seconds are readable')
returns 1,03,22
